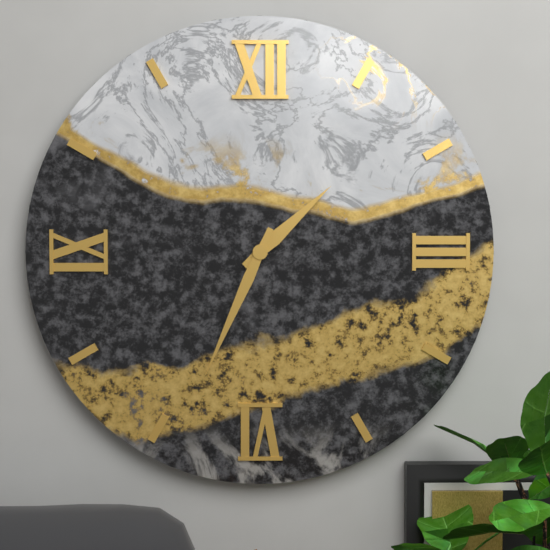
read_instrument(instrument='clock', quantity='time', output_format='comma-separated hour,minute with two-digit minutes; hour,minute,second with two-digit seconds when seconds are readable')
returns 1,34
